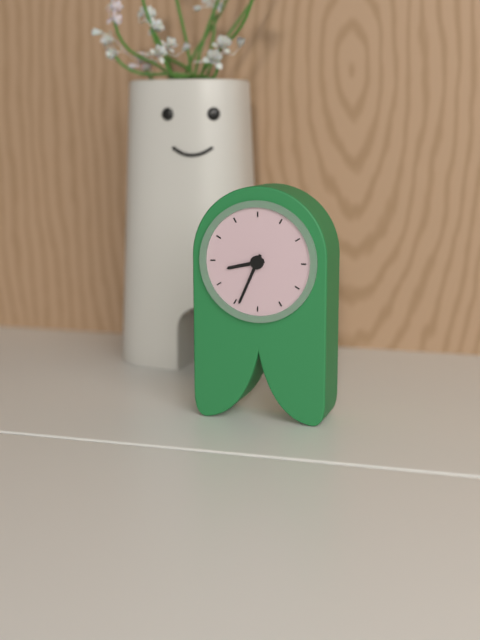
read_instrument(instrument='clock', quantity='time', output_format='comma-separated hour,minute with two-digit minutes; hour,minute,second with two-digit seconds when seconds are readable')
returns 8,34
